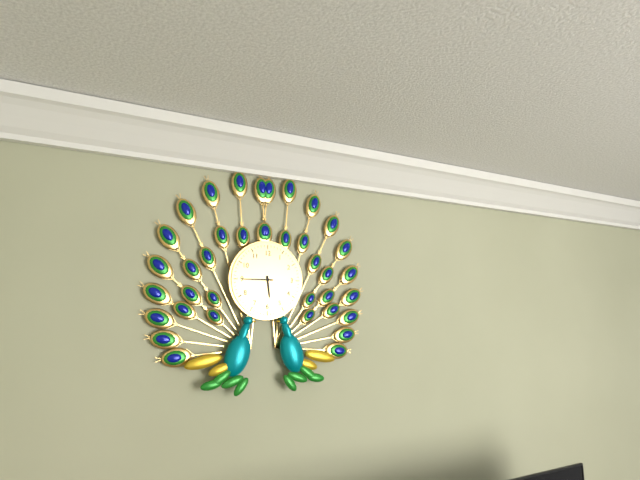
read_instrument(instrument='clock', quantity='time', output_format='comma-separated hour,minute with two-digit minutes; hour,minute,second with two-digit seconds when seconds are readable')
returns 5,45
